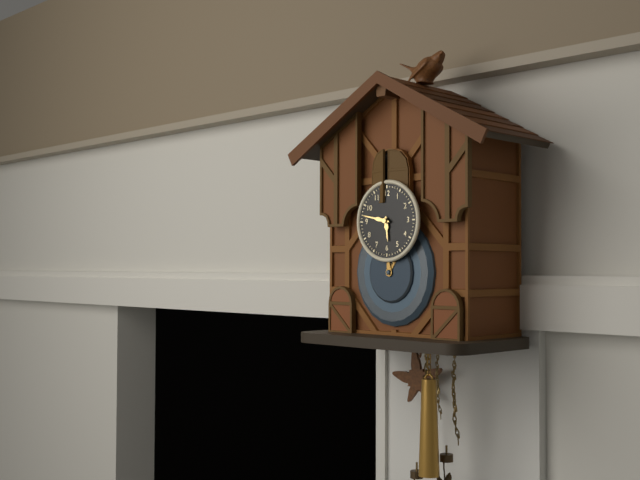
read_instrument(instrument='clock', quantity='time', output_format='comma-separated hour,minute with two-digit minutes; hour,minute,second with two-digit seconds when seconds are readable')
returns 5,47
